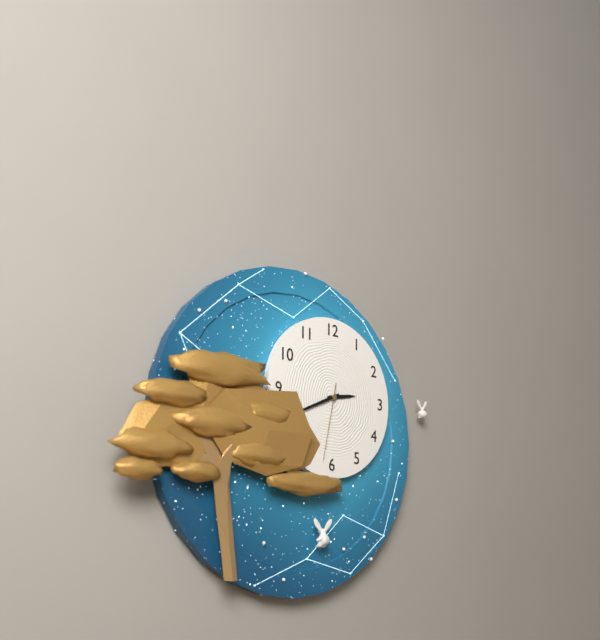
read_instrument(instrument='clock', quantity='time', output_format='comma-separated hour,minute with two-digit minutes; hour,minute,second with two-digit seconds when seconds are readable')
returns 2,41,32
